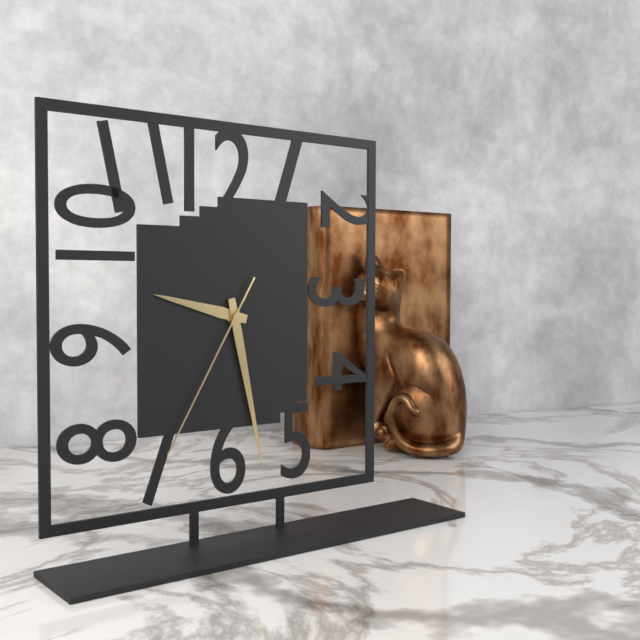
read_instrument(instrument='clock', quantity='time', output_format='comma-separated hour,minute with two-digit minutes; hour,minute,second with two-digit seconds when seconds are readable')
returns 9,28,35
